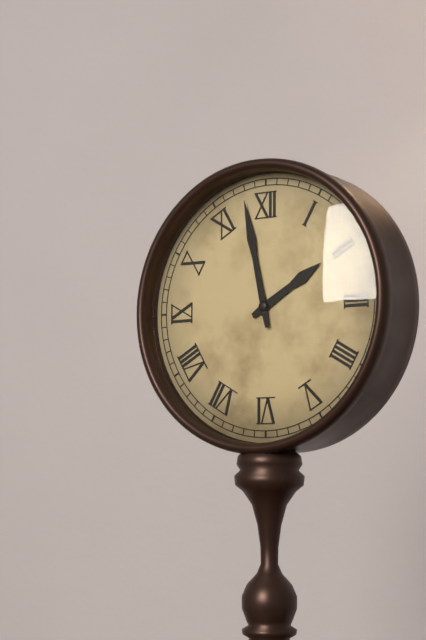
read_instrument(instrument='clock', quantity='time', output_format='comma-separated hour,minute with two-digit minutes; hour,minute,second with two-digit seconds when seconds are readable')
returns 1,58
